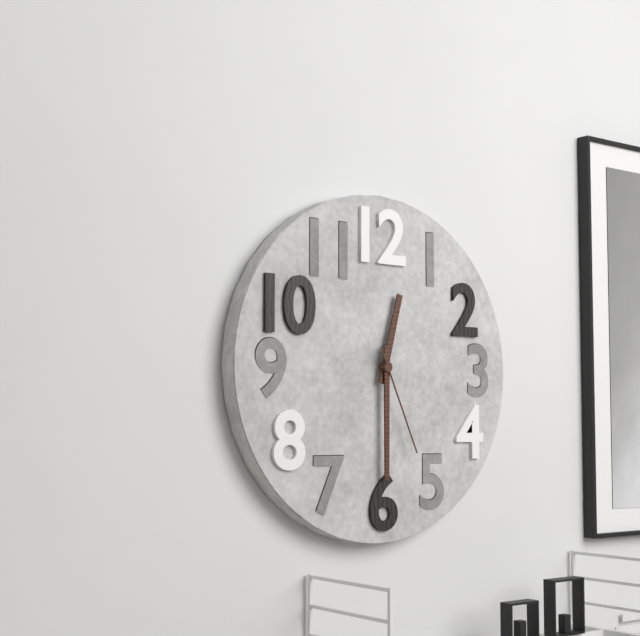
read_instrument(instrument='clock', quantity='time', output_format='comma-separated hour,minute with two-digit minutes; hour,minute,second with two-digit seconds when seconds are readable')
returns 12,30,26
